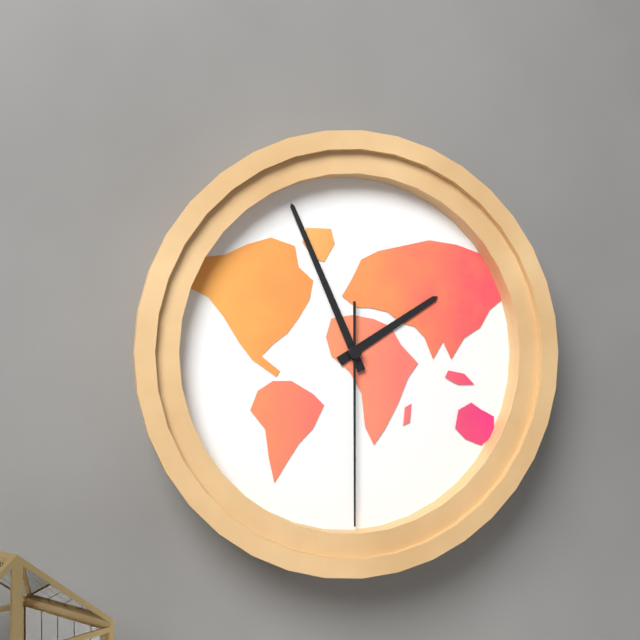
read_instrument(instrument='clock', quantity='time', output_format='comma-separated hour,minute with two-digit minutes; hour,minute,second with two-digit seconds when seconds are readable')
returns 1,56,30
